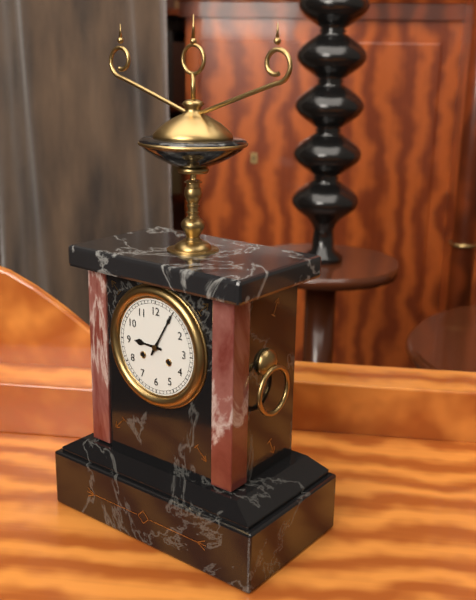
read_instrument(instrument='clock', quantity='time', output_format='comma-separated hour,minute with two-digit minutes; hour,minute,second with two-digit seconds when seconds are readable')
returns 9,05
